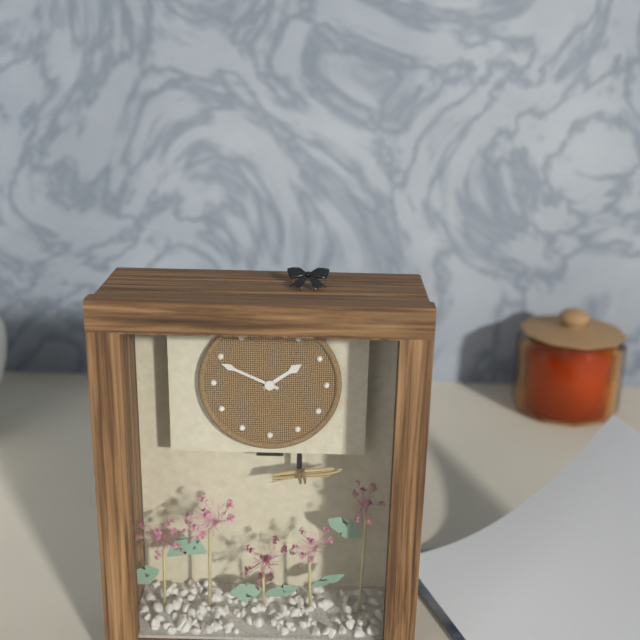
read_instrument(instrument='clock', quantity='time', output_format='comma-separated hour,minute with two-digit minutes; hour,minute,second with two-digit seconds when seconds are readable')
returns 1,49
